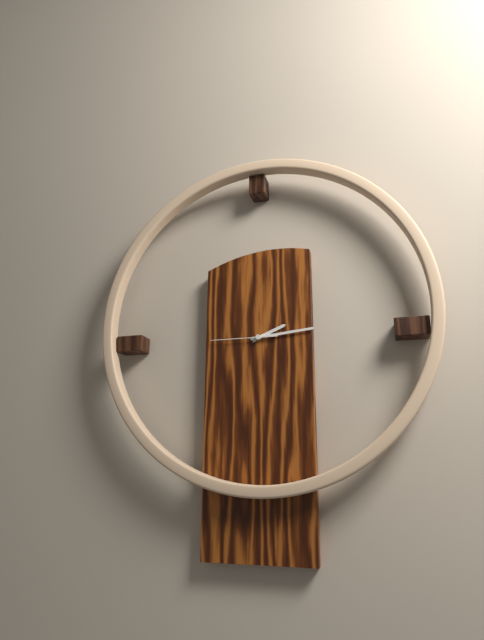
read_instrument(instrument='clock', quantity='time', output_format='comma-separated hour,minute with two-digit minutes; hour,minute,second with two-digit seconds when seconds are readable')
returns 2,14,45
